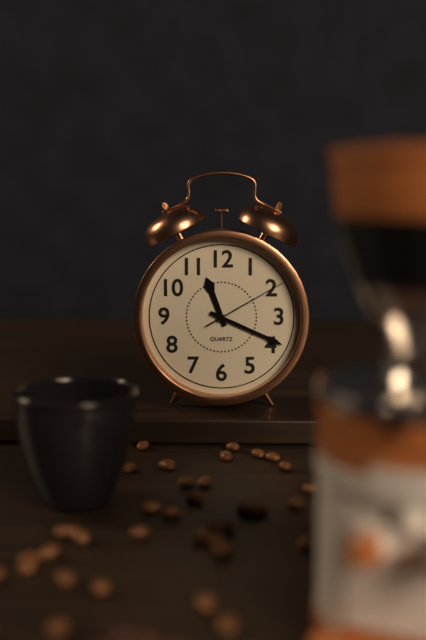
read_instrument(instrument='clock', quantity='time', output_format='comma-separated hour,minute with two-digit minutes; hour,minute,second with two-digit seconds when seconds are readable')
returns 11,19,10
